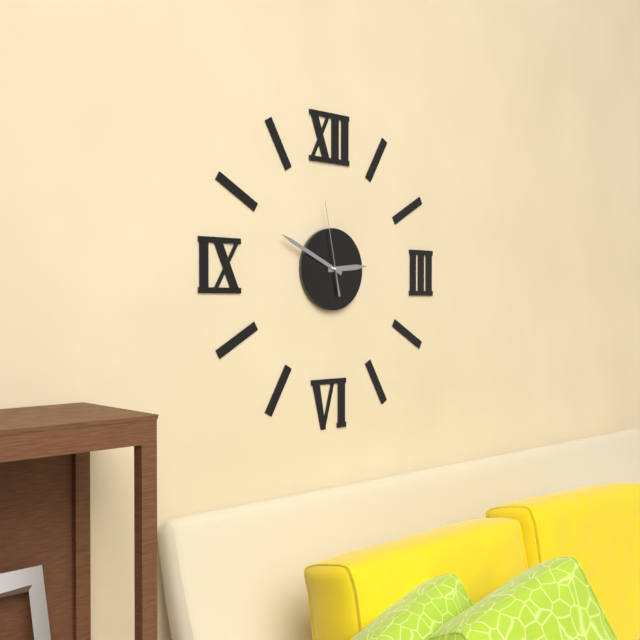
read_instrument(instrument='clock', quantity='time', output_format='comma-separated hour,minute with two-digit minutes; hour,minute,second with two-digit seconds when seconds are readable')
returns 2,49,58
